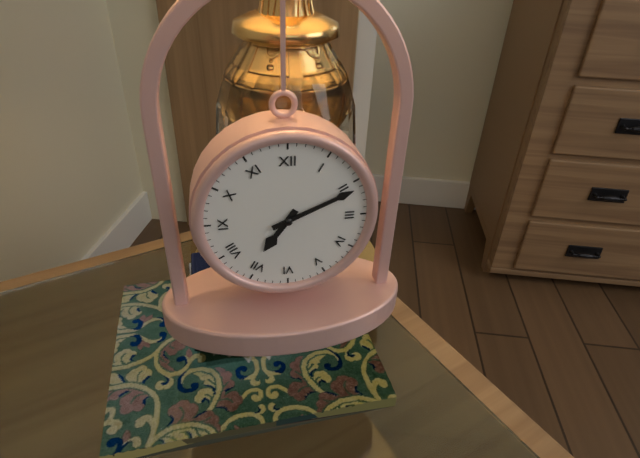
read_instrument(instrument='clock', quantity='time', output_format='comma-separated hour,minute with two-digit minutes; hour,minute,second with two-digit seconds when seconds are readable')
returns 7,11
